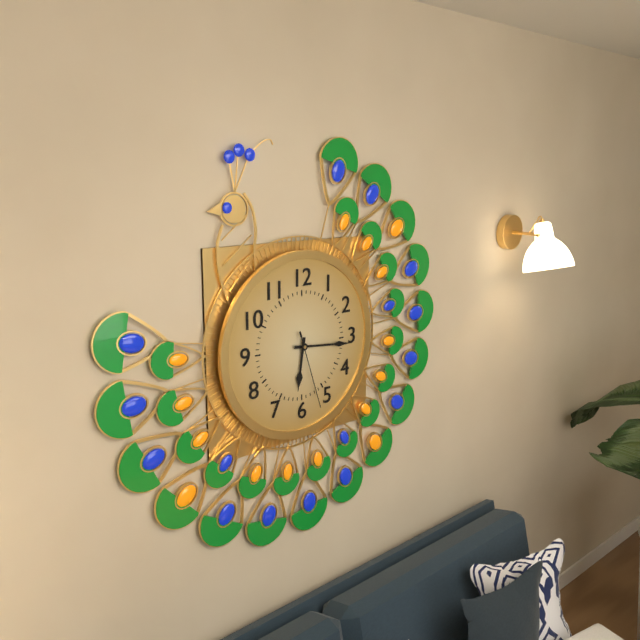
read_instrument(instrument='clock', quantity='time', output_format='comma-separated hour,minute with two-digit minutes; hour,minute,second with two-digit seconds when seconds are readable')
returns 6,16,27
